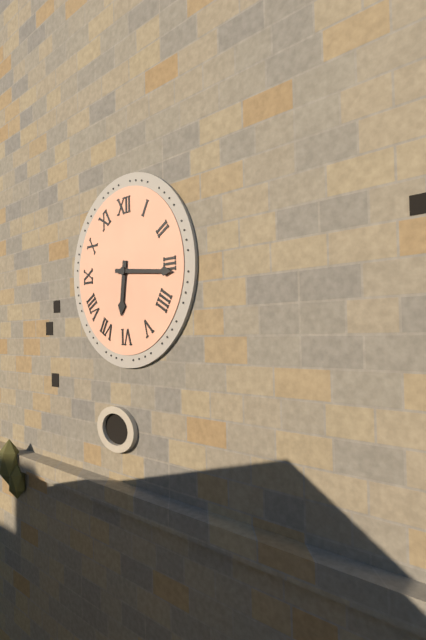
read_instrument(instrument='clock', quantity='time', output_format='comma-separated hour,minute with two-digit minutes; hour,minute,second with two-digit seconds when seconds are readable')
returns 6,16
